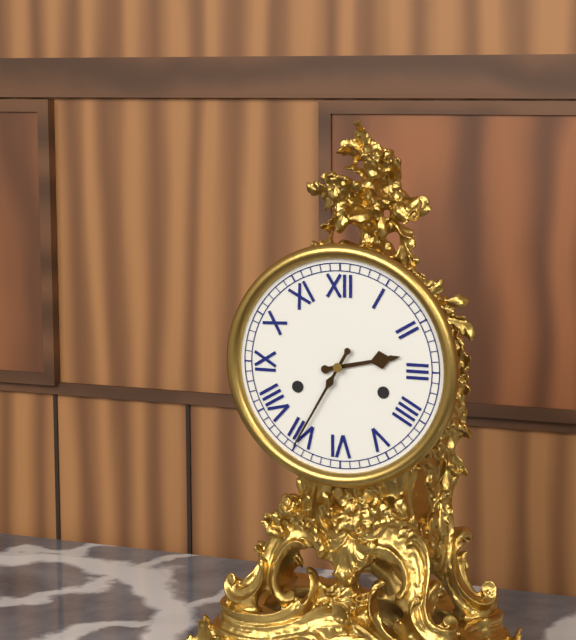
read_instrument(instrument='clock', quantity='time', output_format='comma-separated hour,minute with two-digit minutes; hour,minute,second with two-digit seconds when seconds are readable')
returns 2,35
